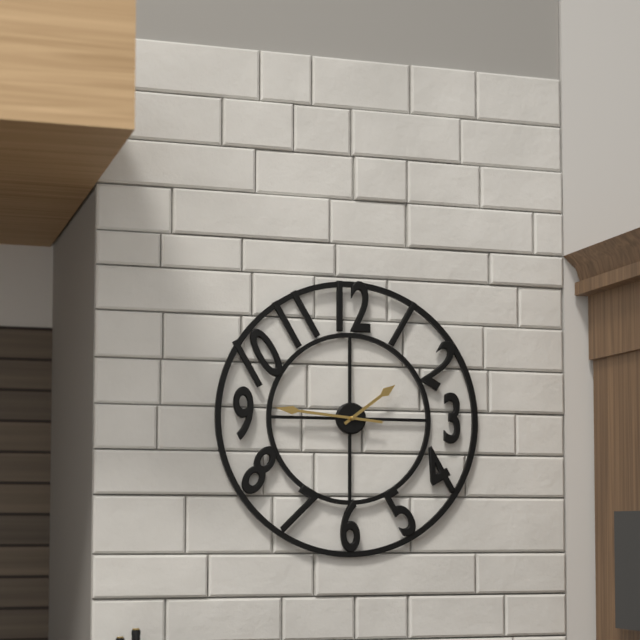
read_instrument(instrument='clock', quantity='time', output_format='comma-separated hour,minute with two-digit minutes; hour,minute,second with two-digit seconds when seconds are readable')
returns 1,46
